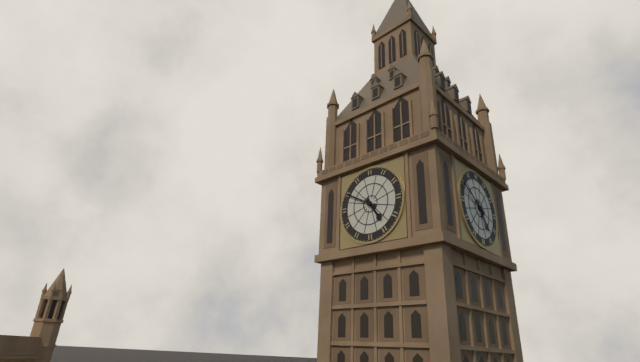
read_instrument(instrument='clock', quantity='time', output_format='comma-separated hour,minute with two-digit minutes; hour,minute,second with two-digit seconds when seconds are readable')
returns 4,50
